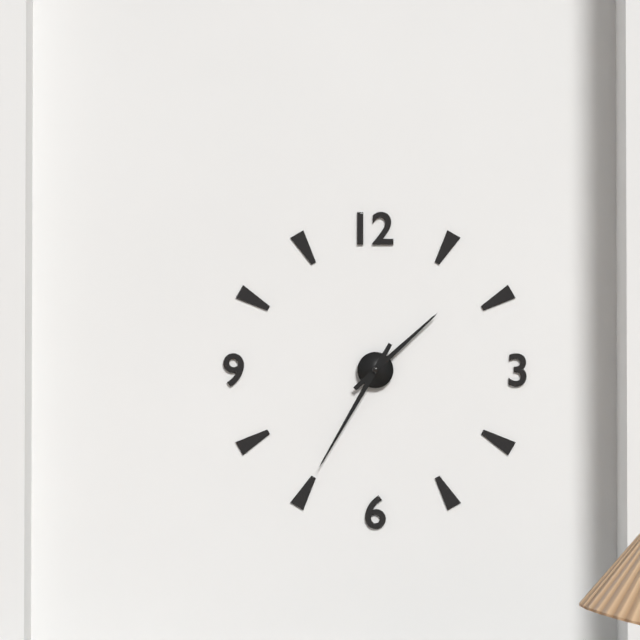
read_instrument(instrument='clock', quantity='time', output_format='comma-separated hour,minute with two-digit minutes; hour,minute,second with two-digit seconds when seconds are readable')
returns 1,35
